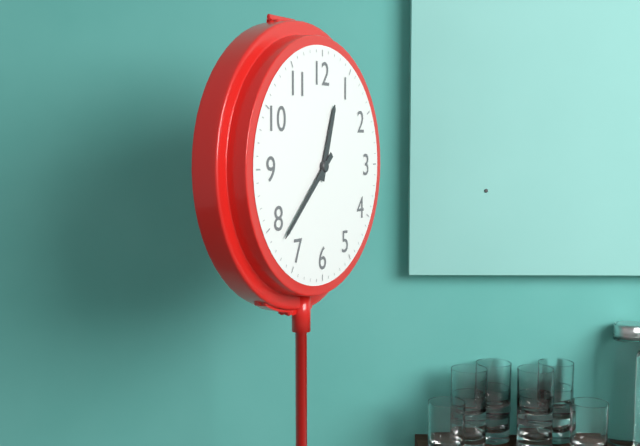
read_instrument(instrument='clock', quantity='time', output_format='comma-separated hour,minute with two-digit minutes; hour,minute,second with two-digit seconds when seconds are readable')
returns 12,38
